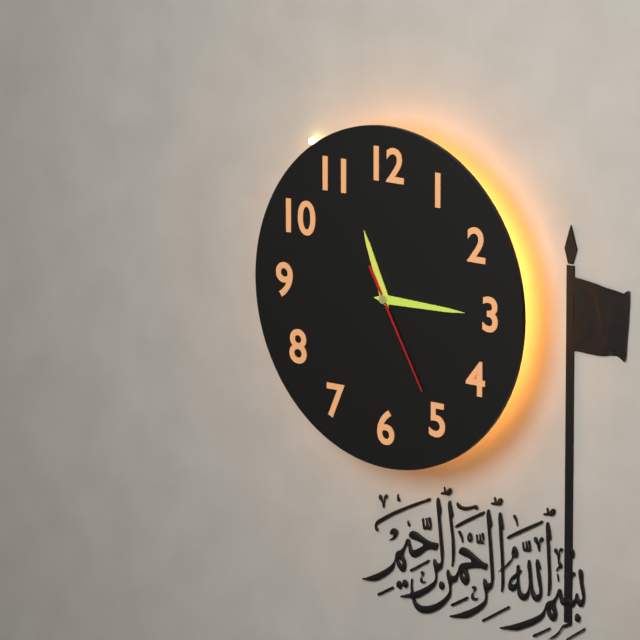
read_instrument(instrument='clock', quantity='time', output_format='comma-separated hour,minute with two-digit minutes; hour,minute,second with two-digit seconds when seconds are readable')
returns 11,15,25
